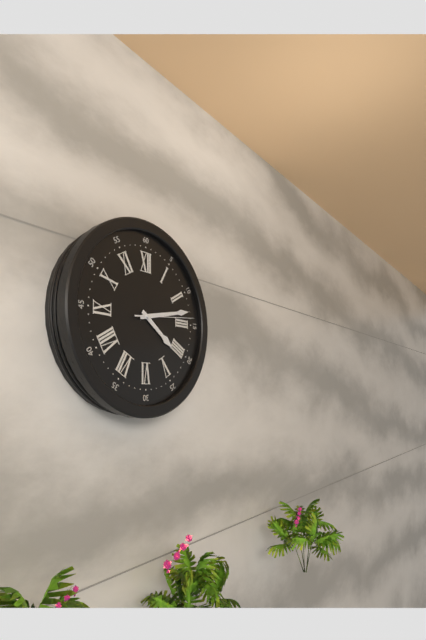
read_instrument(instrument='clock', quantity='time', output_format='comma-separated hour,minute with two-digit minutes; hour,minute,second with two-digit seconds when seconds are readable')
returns 4,13,14
